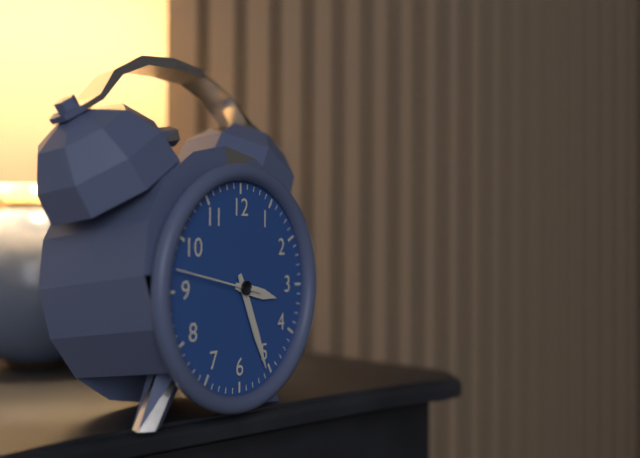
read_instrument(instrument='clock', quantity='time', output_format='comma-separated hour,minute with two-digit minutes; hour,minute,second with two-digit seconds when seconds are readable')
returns 3,26,47
